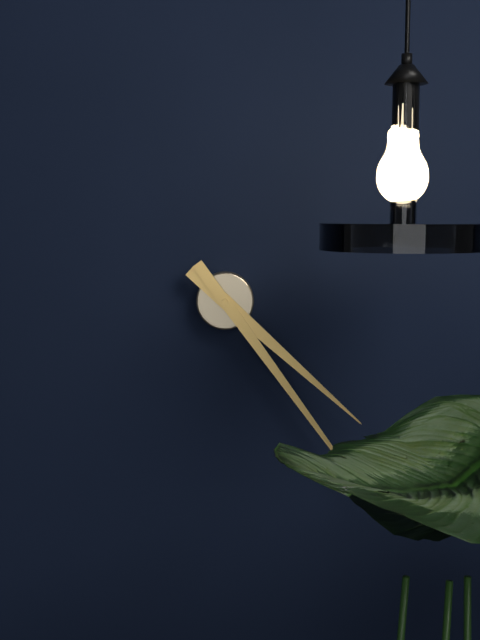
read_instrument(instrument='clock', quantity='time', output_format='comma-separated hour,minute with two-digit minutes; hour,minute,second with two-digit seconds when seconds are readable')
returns 4,24
